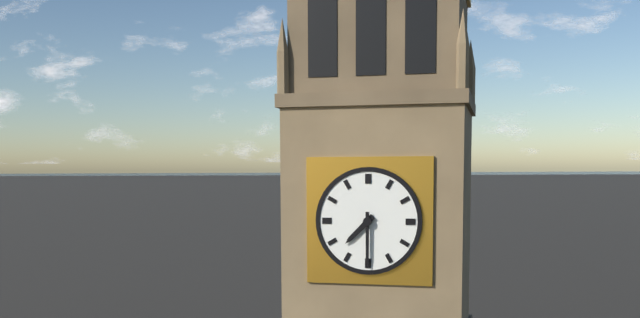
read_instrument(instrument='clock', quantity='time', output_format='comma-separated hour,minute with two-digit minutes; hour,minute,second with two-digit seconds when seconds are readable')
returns 7,30
